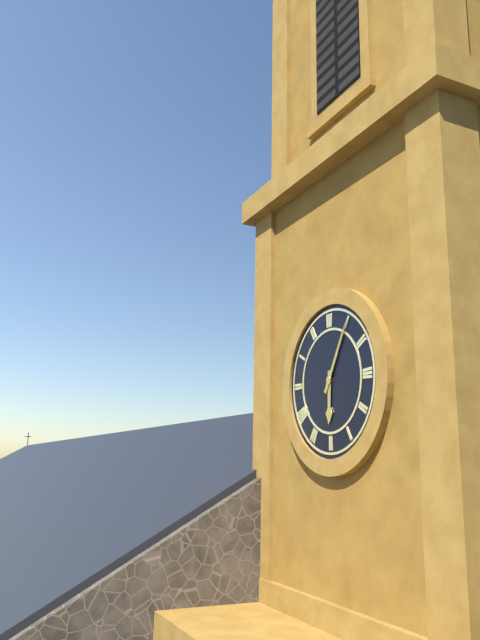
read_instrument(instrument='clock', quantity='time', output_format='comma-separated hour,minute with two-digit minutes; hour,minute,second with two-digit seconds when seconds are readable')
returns 6,05
